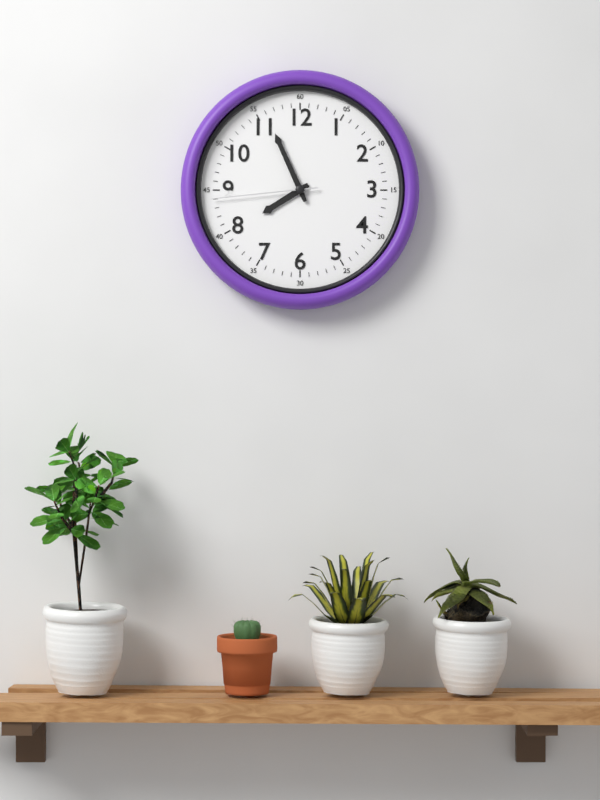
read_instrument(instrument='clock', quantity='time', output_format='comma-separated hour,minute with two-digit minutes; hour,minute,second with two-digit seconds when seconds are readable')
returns 7,56,44
